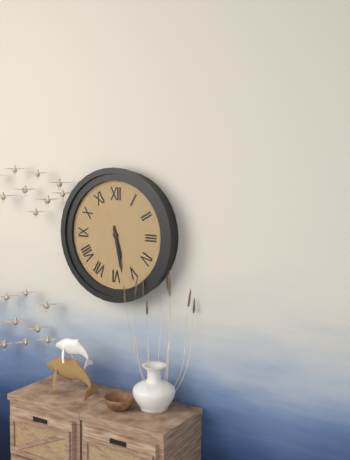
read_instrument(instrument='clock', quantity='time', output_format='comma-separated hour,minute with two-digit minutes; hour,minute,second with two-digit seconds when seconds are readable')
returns 5,28
